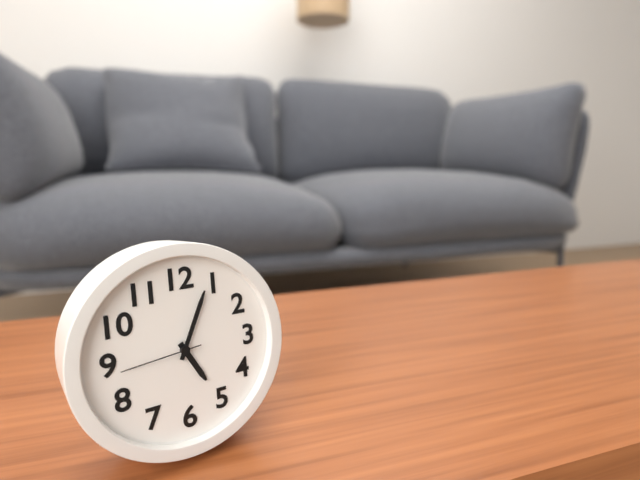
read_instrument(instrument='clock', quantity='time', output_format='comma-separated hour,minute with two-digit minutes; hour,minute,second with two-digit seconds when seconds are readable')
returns 5,04,44
